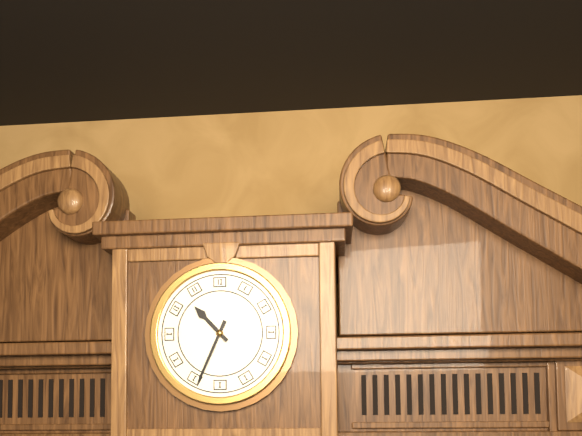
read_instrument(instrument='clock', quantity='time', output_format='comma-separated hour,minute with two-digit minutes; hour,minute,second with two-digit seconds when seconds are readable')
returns 10,34
